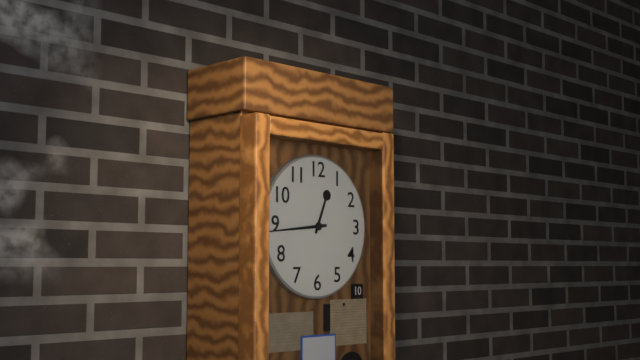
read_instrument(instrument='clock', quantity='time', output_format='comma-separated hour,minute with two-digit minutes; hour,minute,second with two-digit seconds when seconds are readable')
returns 12,44
